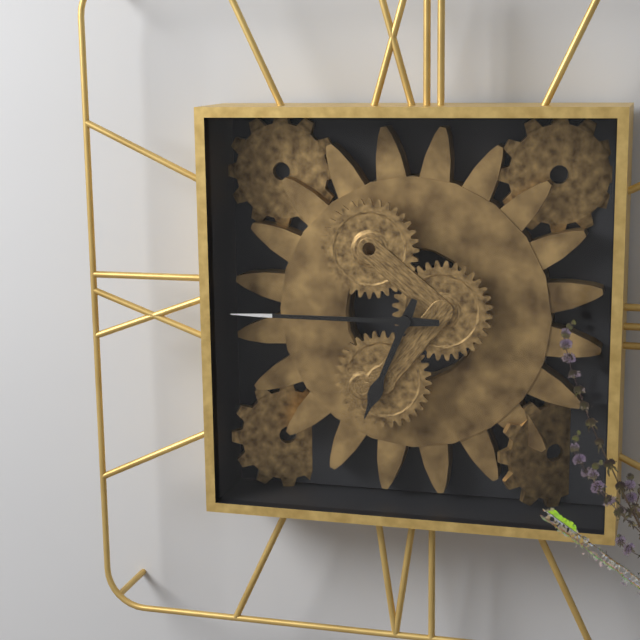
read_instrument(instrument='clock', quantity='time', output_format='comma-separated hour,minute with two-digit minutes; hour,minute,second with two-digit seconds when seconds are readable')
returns 6,45
